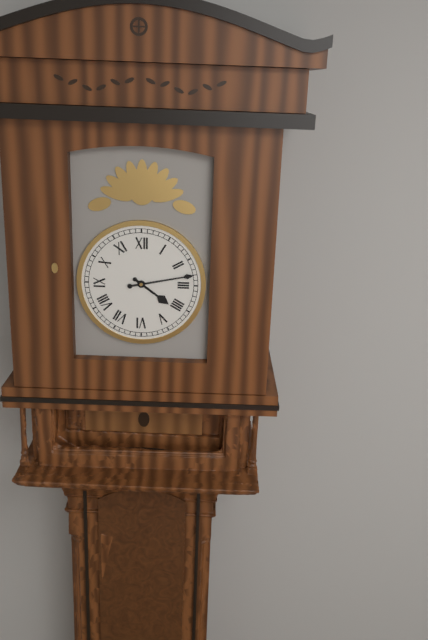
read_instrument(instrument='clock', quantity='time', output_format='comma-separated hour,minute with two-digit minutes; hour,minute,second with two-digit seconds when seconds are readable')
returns 4,13
